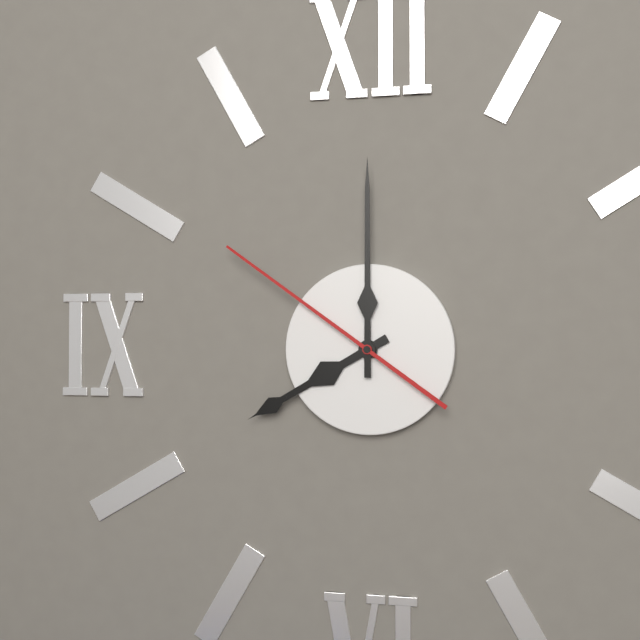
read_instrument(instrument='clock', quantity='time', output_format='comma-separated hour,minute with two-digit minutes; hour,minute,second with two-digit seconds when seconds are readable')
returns 8,00,51
